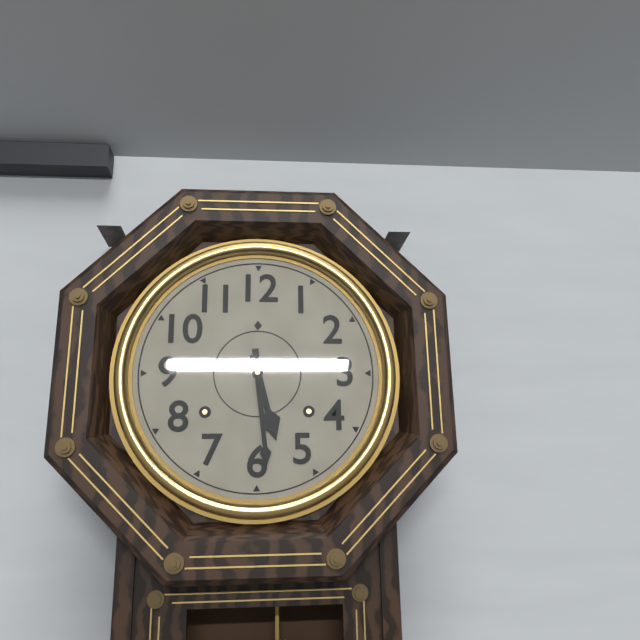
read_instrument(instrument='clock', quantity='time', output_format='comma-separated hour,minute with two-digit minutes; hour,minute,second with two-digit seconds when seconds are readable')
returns 5,29
